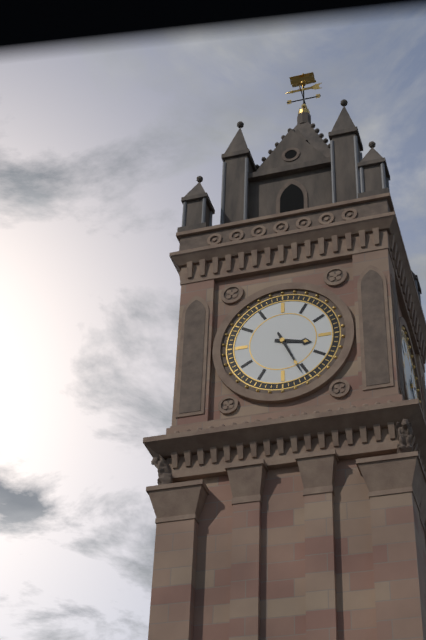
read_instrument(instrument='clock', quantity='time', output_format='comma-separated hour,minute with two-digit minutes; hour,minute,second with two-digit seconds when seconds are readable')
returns 3,26
